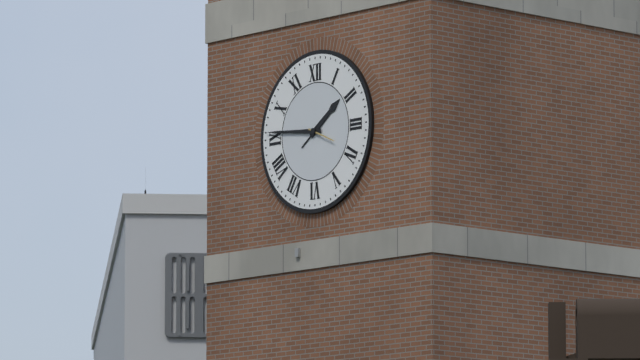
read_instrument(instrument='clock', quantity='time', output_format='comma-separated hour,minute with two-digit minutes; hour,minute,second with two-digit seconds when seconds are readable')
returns 1,46
